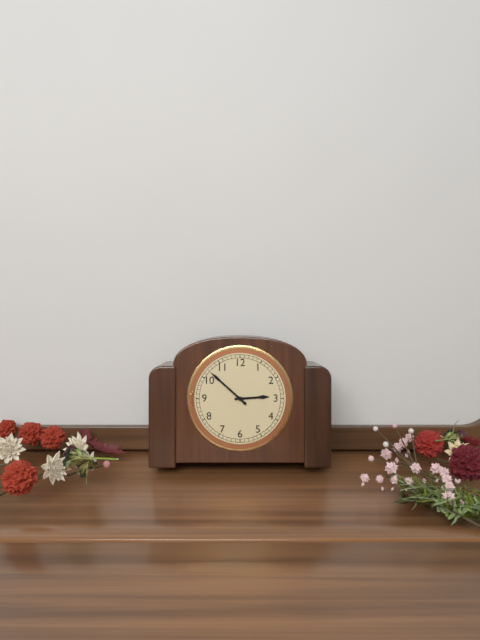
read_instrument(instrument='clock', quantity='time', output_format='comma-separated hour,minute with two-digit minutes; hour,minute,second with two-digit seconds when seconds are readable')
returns 2,52
